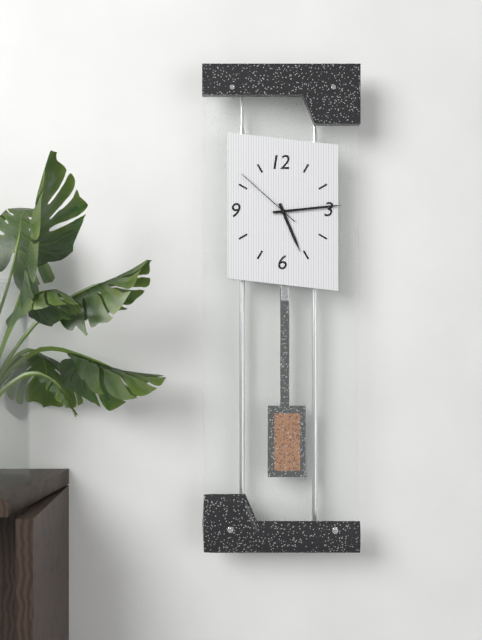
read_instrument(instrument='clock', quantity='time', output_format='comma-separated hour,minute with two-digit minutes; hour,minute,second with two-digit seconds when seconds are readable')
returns 5,14,52
